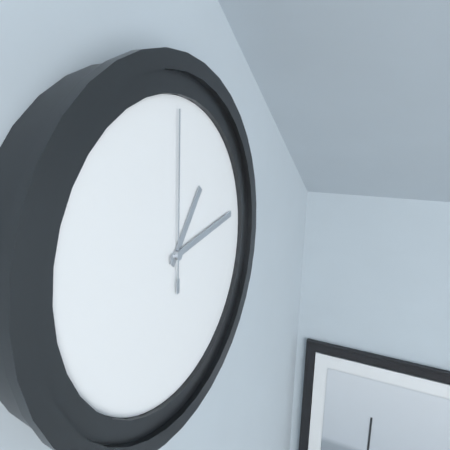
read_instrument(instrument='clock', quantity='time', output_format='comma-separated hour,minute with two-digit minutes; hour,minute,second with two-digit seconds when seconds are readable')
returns 1,13,00
